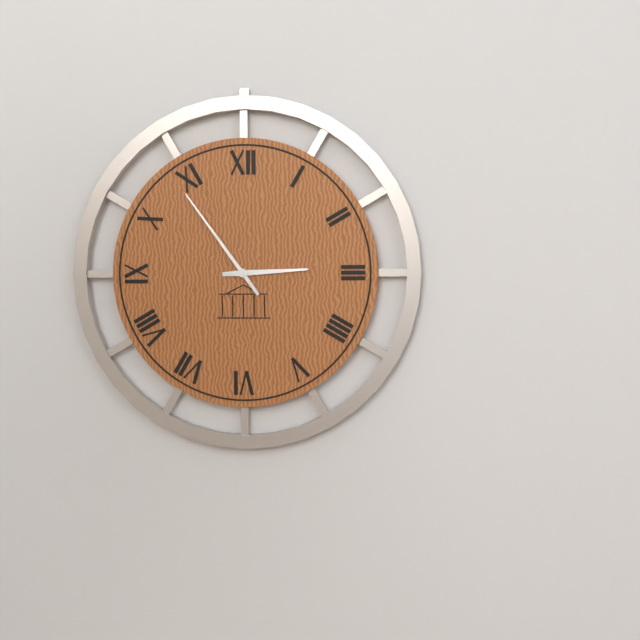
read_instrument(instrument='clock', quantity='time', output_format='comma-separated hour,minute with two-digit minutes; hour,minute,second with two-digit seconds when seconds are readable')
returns 2,54
